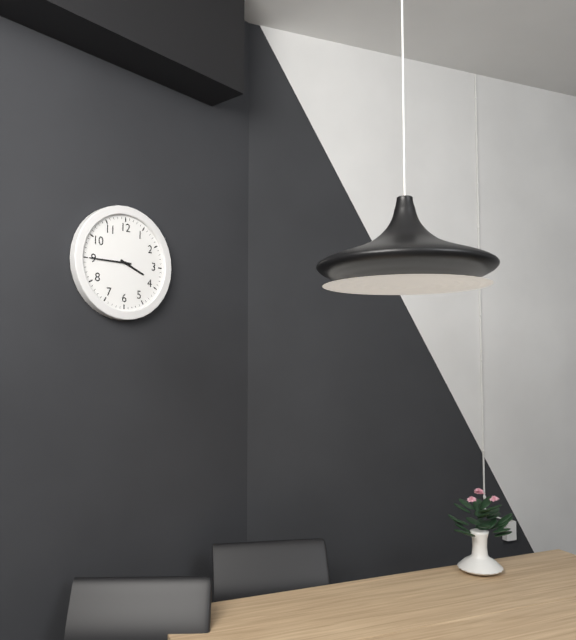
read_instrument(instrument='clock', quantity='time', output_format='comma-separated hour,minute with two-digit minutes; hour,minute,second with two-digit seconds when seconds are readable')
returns 3,45
